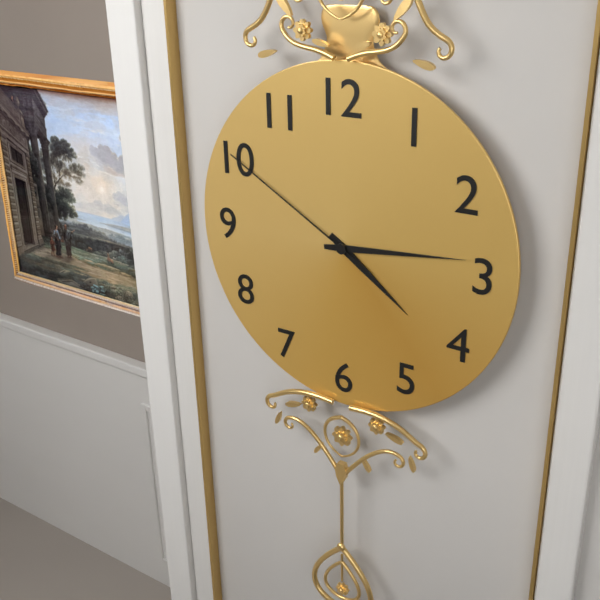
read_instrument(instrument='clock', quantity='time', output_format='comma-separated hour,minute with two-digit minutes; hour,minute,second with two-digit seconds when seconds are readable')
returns 4,14,50
